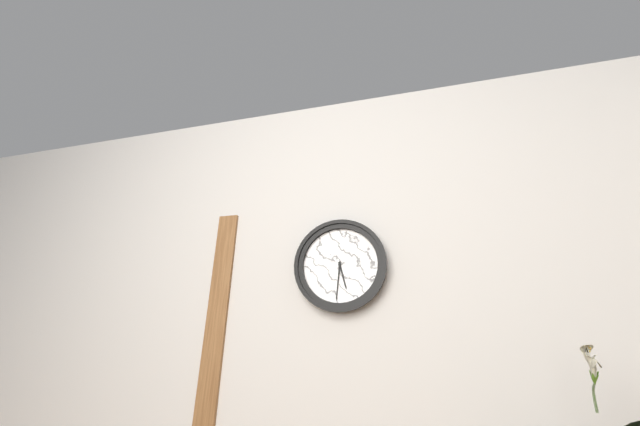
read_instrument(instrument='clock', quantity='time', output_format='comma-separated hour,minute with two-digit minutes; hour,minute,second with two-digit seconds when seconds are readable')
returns 5,31
